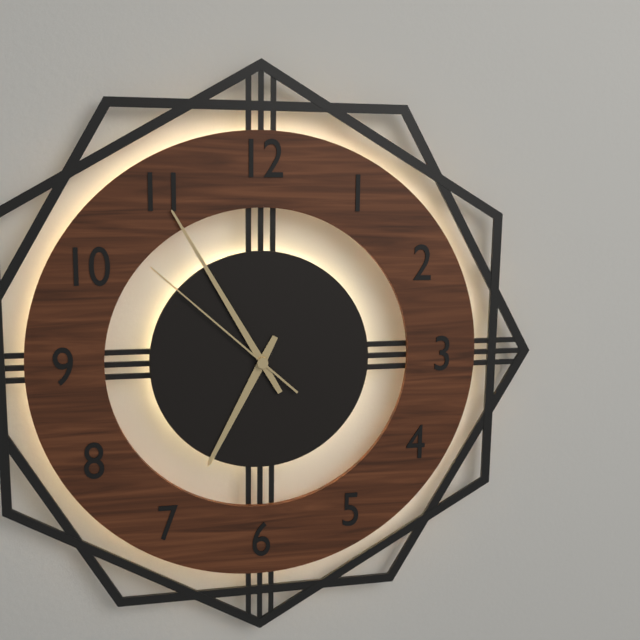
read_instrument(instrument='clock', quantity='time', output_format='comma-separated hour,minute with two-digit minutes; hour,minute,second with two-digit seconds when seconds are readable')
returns 6,55,52
